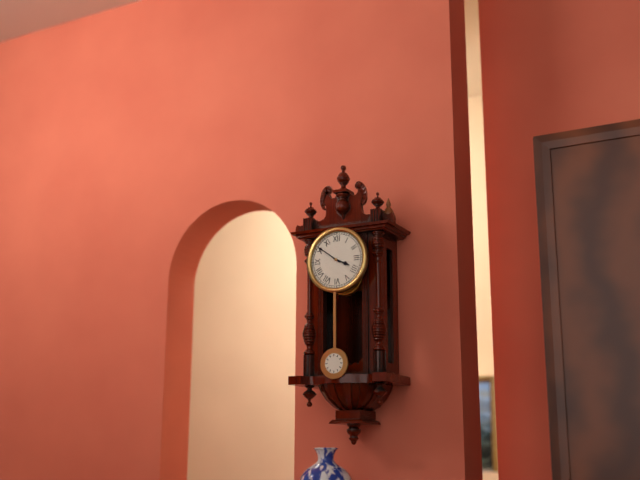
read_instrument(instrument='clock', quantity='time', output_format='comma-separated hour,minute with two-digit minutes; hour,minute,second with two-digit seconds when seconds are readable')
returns 3,51
